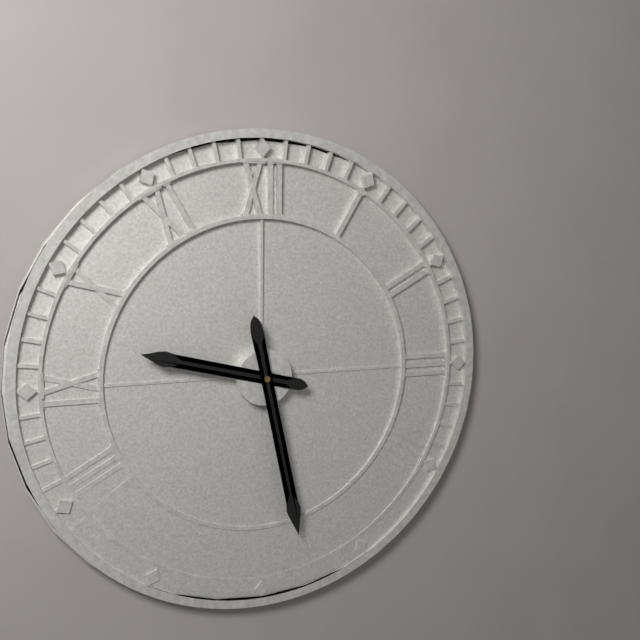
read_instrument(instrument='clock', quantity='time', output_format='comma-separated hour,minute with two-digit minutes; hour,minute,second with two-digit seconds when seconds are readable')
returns 9,28
